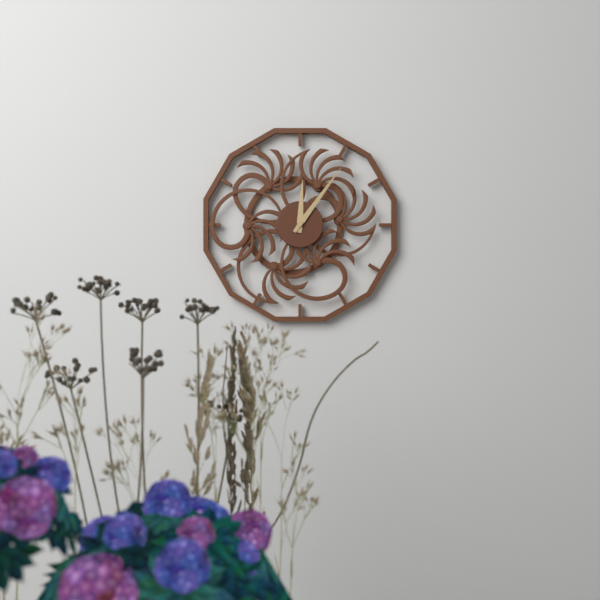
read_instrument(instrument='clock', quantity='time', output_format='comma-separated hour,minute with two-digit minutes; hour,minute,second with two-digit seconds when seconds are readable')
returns 12,06
